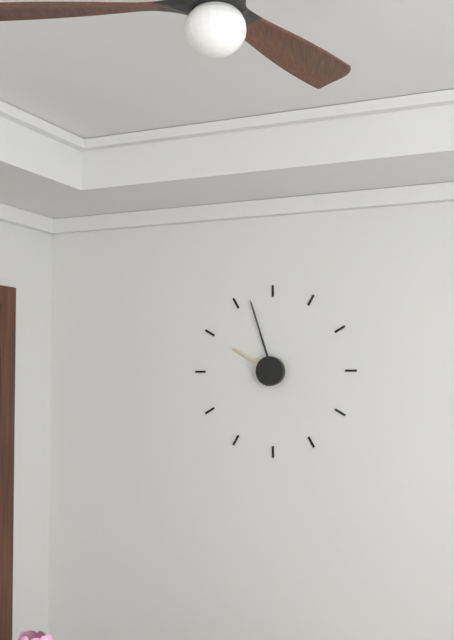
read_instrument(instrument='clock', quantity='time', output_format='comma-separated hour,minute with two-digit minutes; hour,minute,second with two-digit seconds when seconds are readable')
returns 9,57
